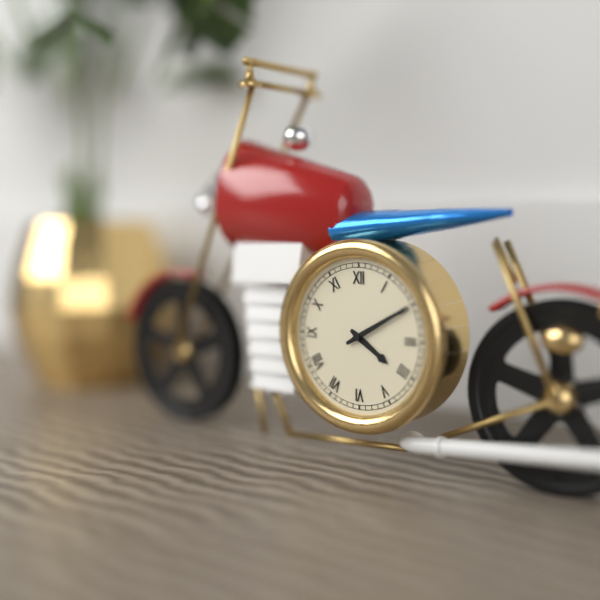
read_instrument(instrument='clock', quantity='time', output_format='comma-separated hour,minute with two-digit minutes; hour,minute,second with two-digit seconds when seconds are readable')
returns 4,10
